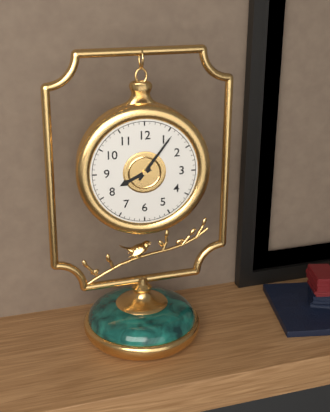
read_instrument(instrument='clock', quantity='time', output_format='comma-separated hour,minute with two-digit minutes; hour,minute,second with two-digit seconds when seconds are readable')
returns 8,06
